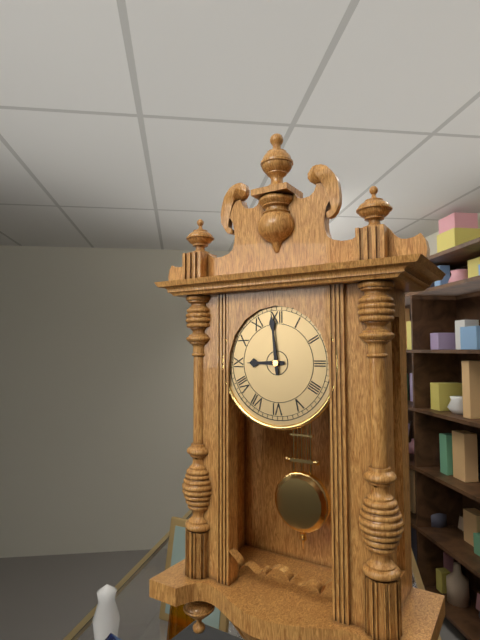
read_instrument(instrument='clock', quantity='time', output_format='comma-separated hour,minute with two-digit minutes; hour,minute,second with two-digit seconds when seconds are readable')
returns 8,59
